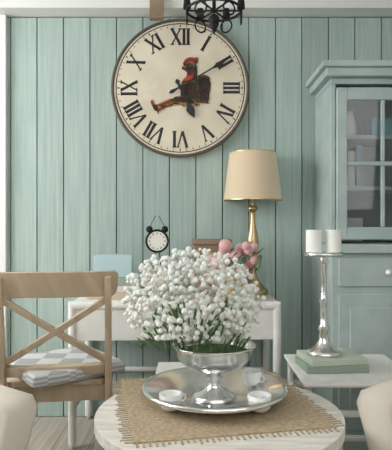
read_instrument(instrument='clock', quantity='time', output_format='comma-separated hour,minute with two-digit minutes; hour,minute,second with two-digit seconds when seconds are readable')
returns 5,10
